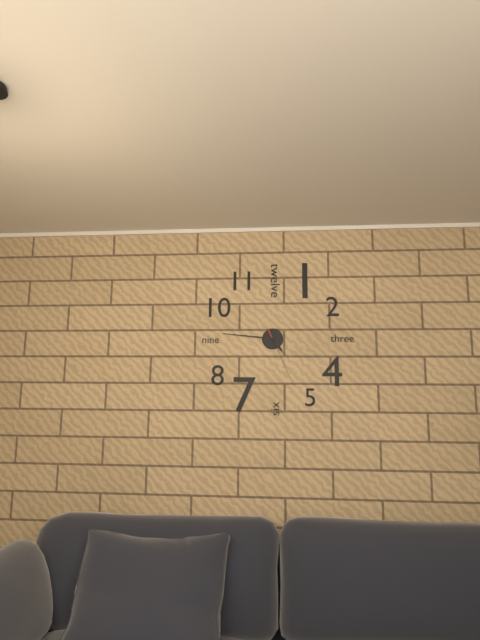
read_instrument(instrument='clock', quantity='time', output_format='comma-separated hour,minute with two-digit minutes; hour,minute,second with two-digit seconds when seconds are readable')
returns 4,46,26
